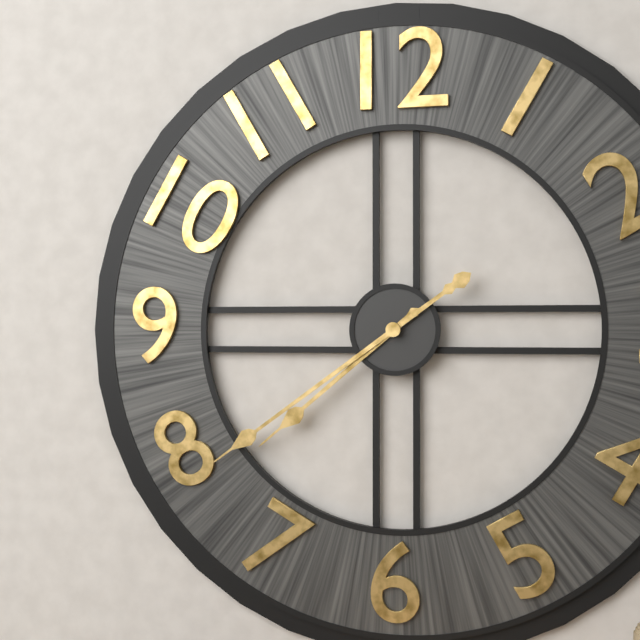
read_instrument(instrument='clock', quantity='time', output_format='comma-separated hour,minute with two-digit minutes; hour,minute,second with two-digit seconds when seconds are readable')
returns 7,39
